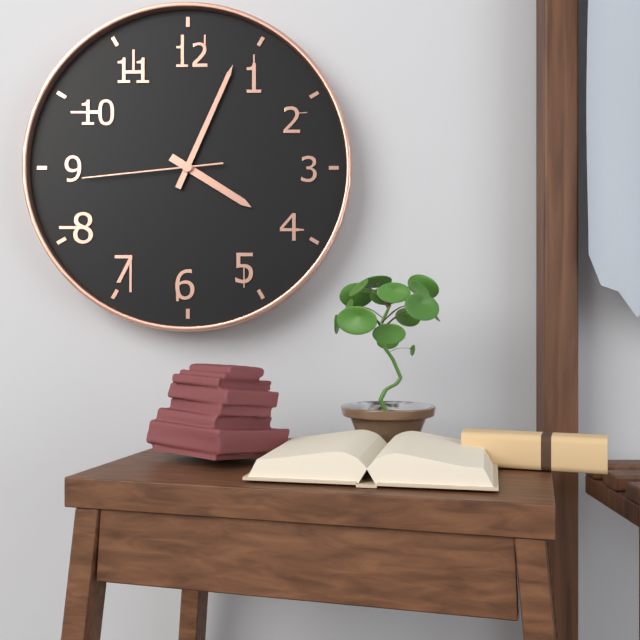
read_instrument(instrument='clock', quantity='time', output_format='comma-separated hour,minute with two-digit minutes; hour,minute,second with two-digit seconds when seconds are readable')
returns 4,04,44
